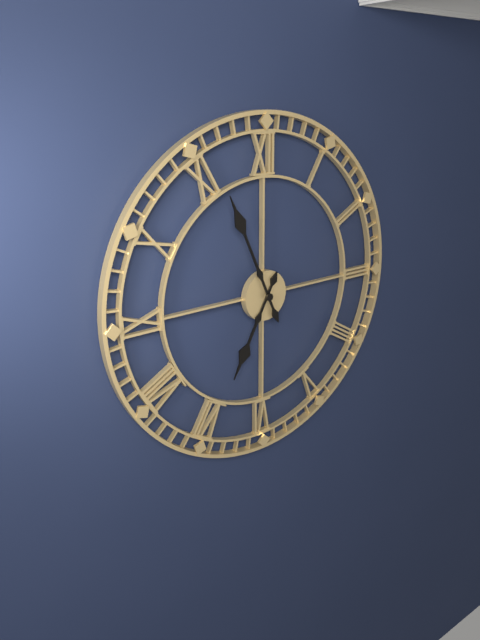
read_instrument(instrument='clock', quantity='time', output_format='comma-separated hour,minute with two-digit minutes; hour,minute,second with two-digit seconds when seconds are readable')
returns 6,56
